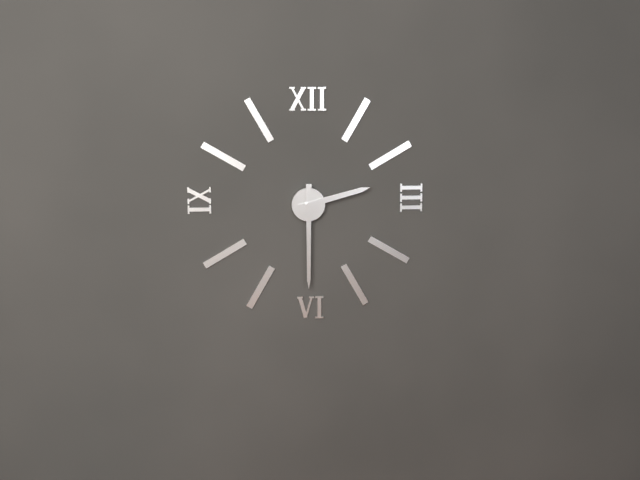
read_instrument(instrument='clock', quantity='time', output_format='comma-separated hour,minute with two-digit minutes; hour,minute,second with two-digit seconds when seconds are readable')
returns 2,30
